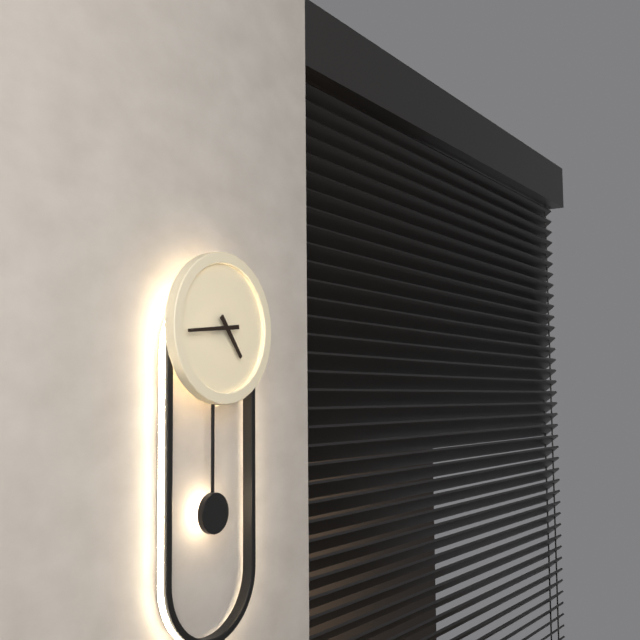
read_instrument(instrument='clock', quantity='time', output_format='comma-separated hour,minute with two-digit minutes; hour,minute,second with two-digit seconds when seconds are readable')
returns 4,44
